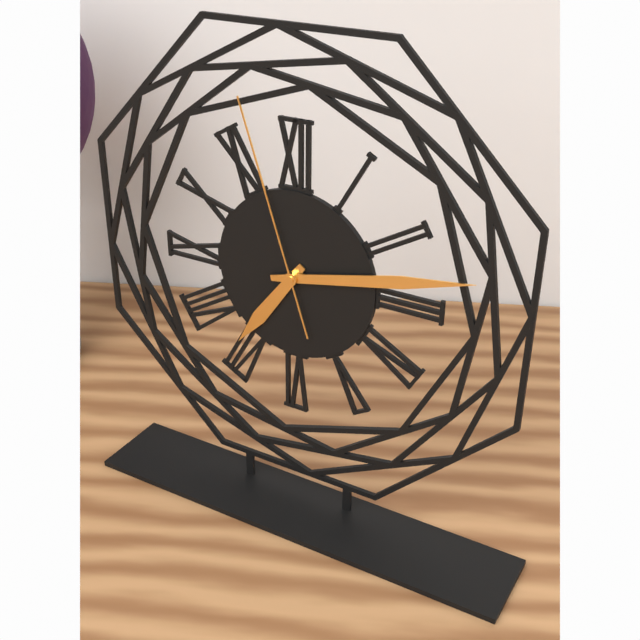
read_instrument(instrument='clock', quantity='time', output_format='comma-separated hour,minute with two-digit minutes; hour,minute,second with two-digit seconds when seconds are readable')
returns 7,13,57
